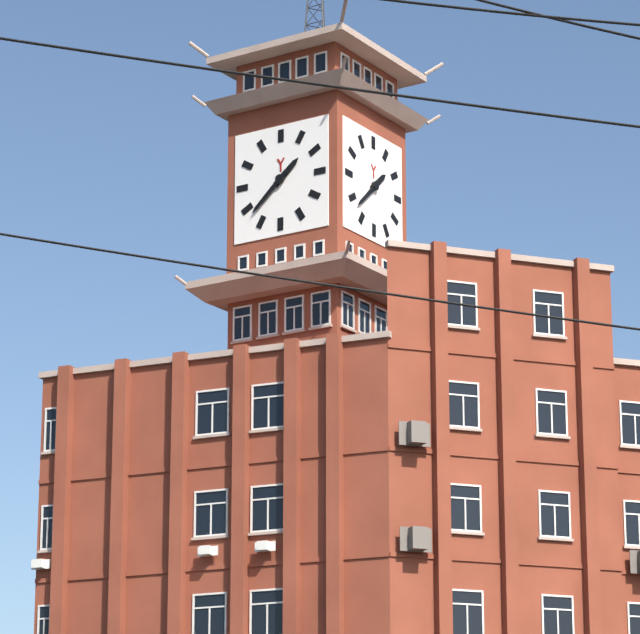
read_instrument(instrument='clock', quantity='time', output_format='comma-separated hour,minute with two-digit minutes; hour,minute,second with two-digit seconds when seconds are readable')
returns 1,38
